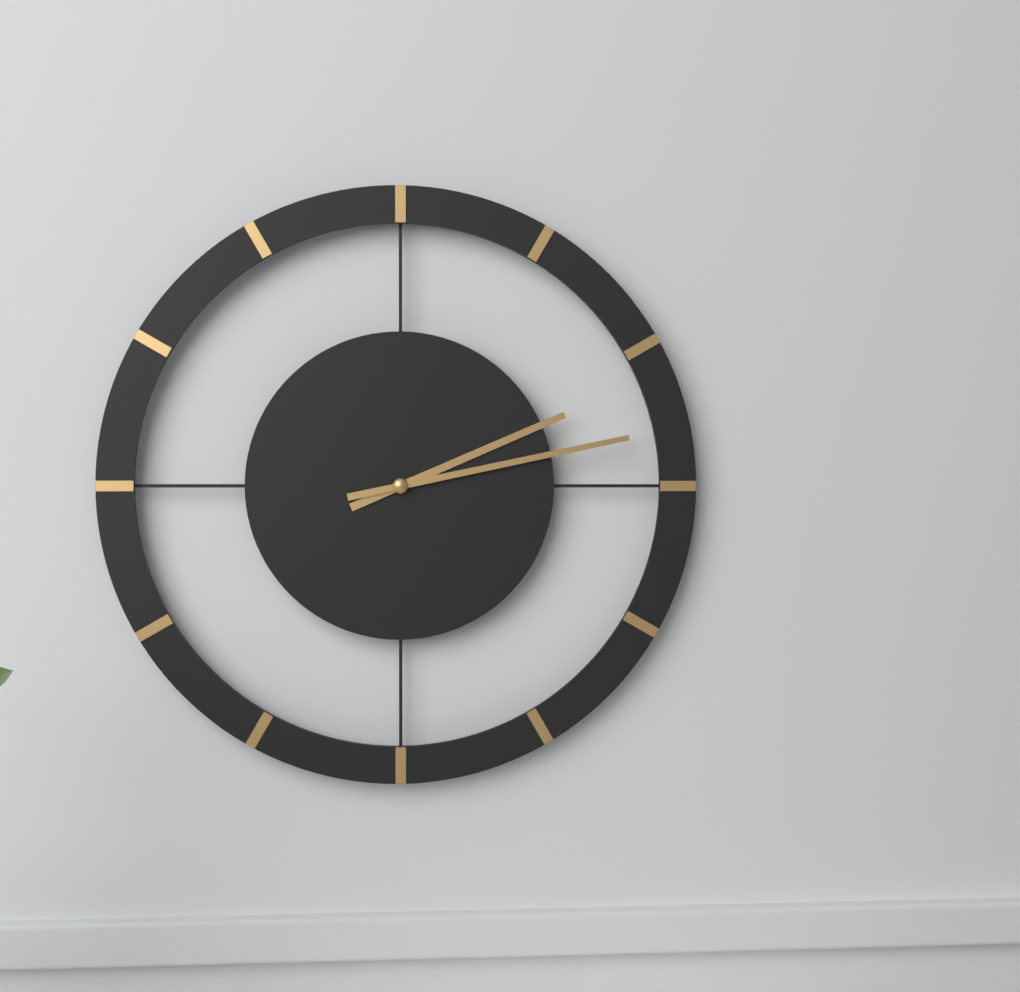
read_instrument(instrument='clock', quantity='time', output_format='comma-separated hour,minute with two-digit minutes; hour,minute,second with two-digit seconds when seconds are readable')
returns 2,13
